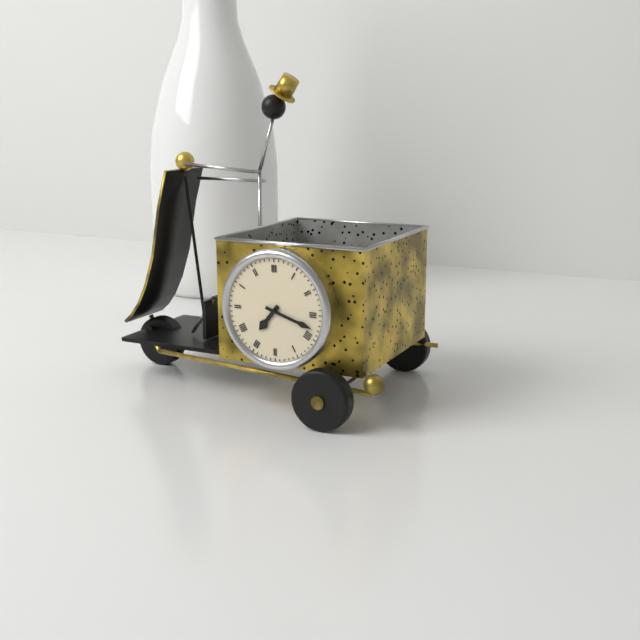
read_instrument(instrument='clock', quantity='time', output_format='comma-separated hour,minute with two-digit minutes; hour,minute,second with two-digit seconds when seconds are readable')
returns 7,18
